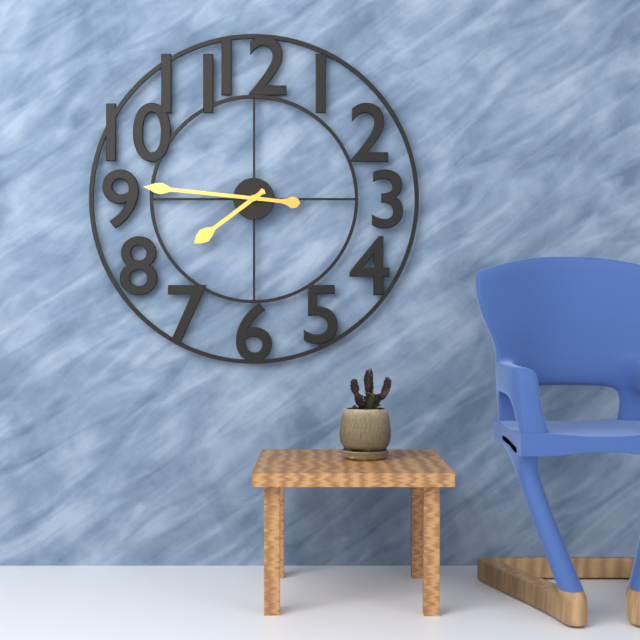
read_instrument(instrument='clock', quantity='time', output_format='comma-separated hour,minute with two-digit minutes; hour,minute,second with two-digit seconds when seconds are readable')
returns 7,46
